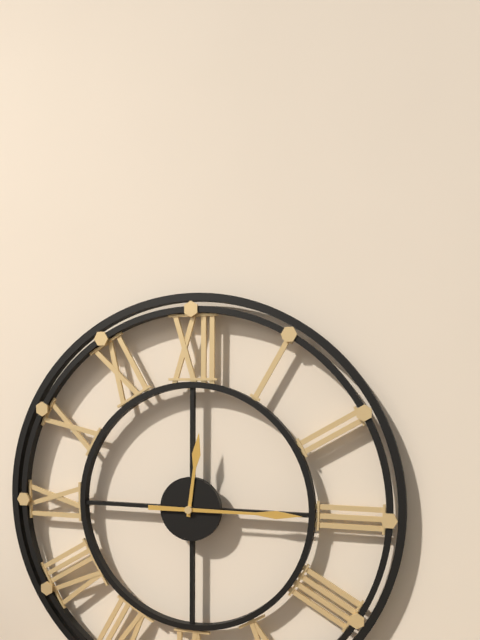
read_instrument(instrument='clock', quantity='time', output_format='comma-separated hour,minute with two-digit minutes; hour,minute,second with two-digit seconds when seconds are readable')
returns 12,15
